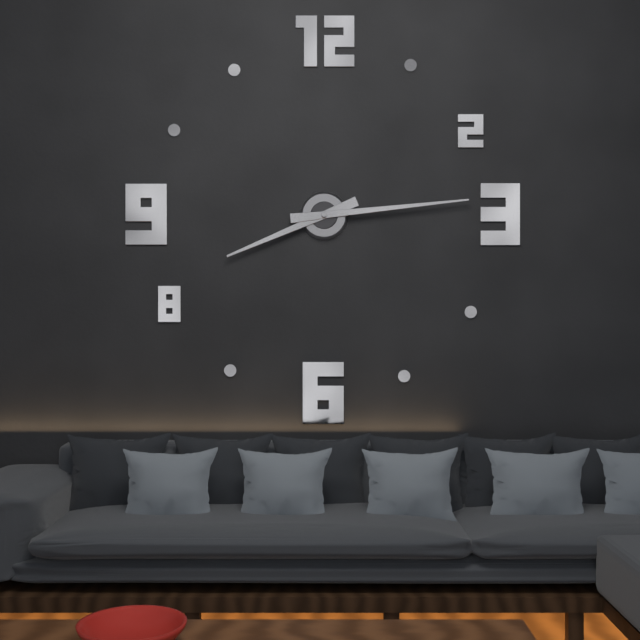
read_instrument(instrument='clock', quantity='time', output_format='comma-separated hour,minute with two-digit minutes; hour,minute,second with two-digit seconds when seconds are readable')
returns 8,14
